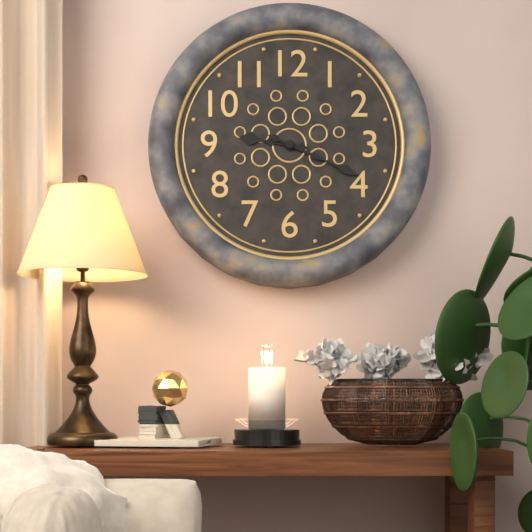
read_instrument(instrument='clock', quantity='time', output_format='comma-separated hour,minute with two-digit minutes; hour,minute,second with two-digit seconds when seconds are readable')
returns 9,19
